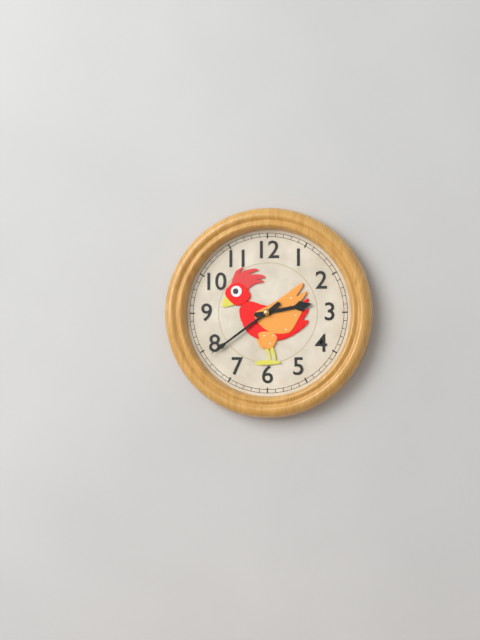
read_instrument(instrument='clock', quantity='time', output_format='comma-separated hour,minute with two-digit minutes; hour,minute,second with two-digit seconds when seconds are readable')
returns 2,39
